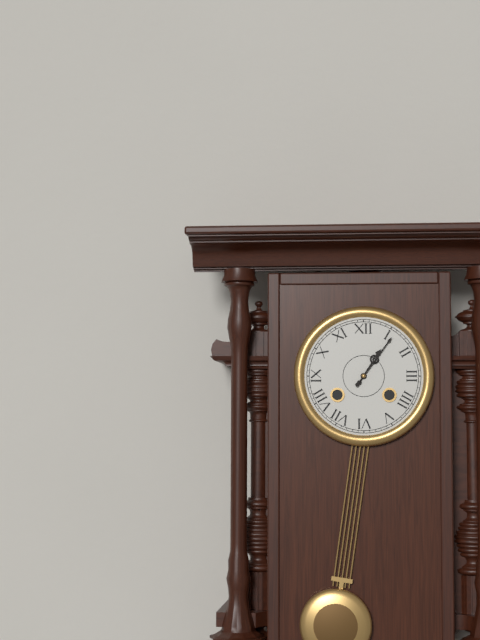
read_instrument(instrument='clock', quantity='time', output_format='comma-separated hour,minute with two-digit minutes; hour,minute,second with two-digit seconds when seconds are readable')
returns 1,06
